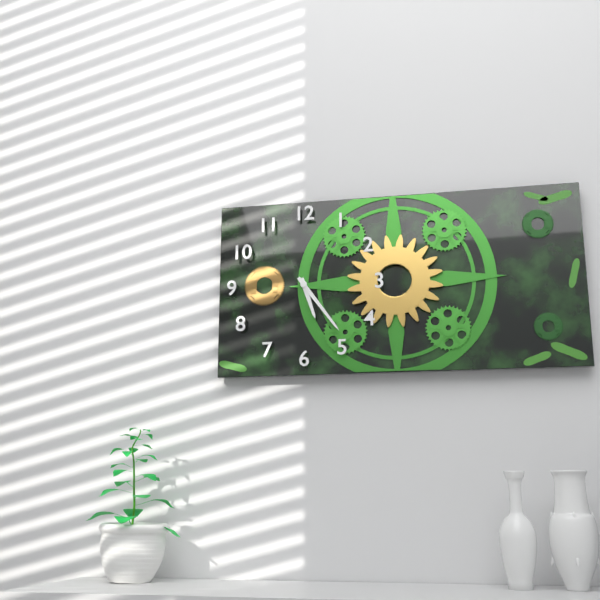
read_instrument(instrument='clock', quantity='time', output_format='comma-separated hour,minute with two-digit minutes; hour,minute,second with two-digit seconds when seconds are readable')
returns 5,24
